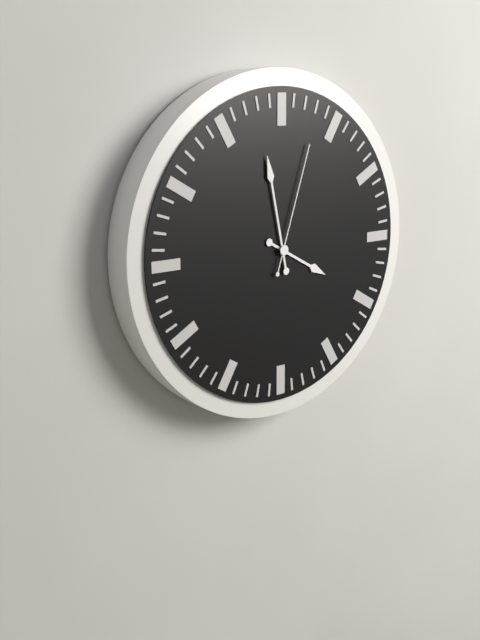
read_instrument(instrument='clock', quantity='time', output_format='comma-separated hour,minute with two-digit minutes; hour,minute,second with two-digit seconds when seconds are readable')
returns 3,58,03
